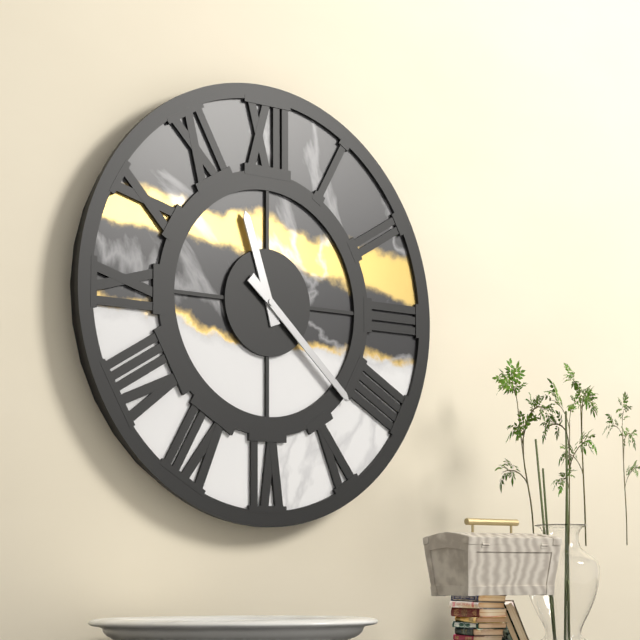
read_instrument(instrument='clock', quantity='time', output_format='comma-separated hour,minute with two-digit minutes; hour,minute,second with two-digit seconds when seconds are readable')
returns 11,22
